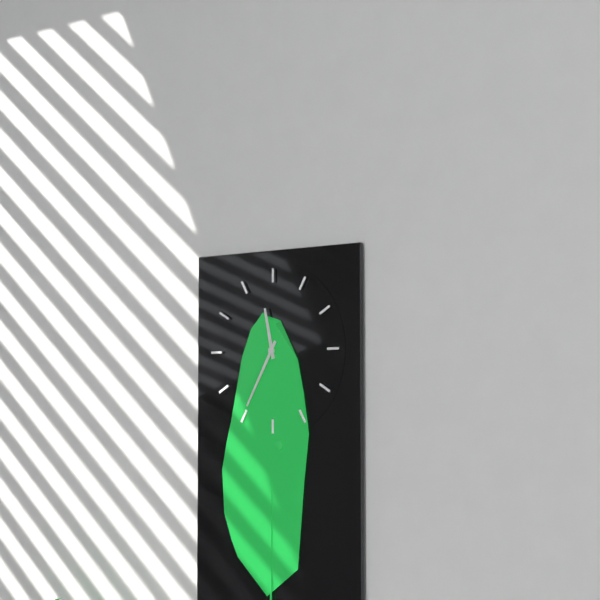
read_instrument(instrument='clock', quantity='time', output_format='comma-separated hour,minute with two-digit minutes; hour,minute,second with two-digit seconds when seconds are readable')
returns 11,35
